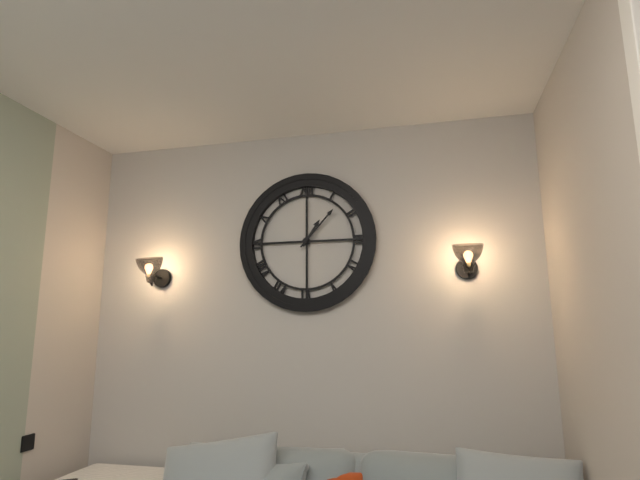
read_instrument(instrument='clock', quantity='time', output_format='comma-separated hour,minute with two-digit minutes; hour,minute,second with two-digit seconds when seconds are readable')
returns 1,07
